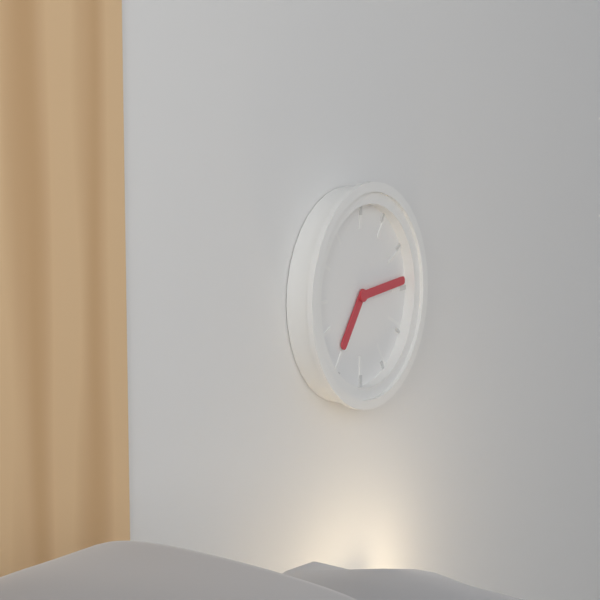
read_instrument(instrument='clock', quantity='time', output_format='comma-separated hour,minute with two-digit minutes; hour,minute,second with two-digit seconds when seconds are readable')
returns 7,14
